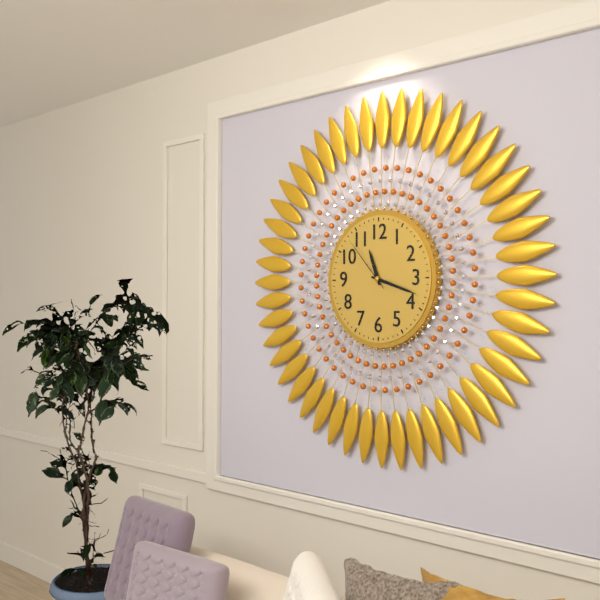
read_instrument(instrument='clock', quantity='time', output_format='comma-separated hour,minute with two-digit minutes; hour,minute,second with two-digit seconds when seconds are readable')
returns 11,18,53
